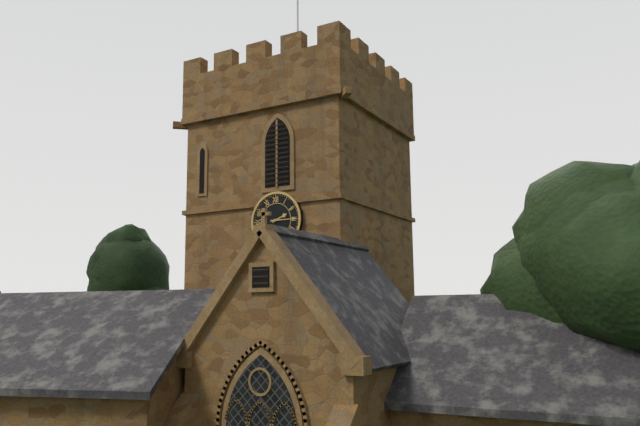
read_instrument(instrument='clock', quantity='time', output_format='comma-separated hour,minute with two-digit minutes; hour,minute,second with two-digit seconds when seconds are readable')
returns 2,15
